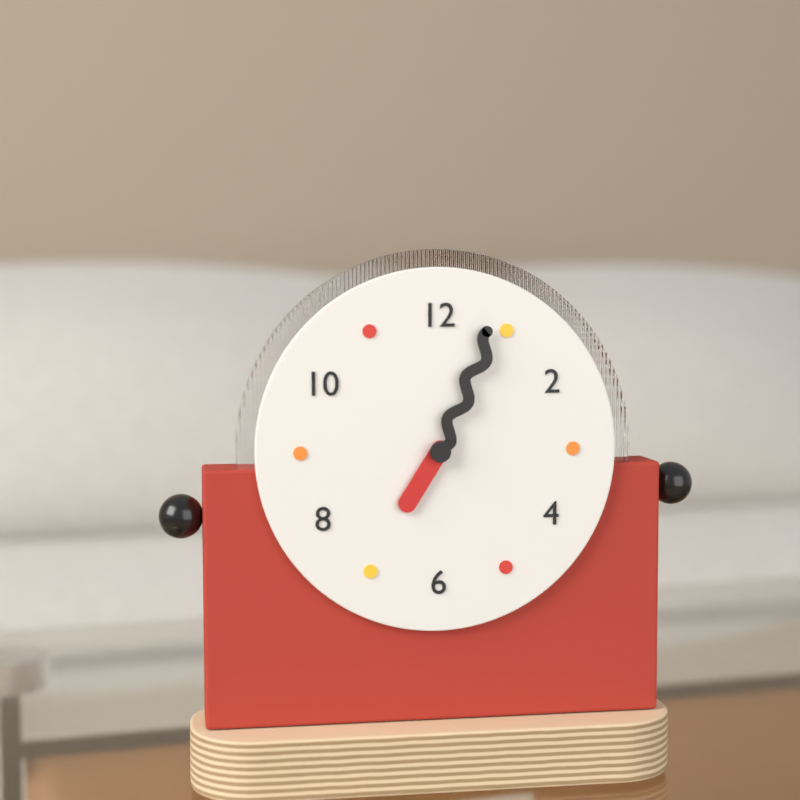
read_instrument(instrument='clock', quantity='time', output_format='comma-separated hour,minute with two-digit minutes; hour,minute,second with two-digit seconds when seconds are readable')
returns 7,04
